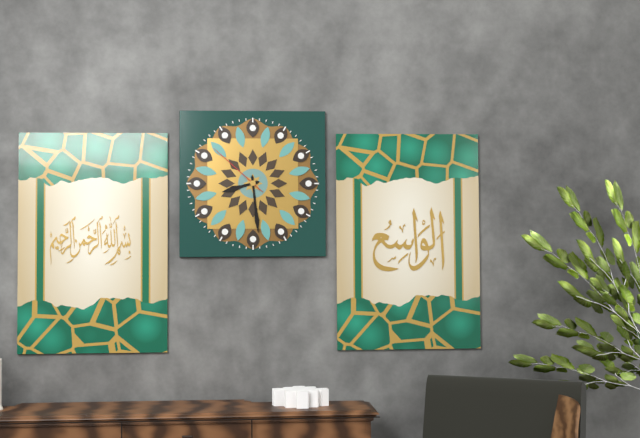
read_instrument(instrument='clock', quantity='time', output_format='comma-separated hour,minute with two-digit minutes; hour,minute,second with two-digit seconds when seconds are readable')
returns 8,29,52
